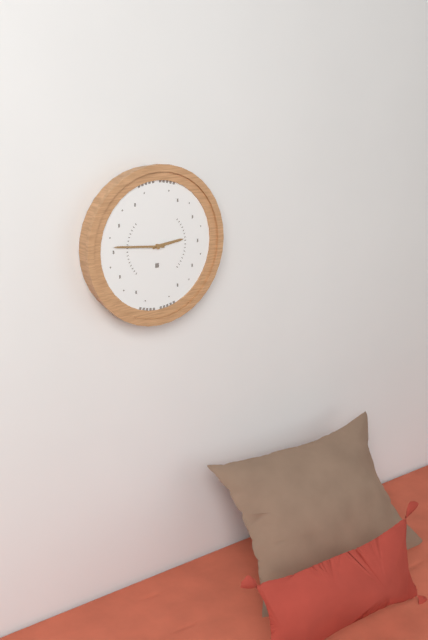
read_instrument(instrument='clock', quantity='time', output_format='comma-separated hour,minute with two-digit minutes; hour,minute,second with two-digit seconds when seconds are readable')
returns 2,46
